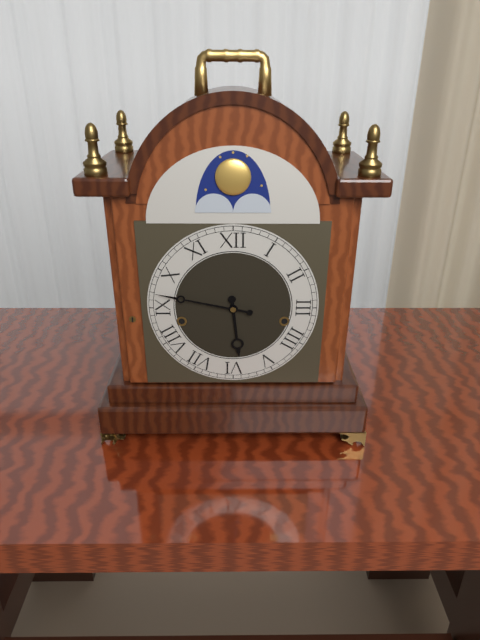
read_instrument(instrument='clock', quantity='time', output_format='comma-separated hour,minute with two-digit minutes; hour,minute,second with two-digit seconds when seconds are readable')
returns 5,47
